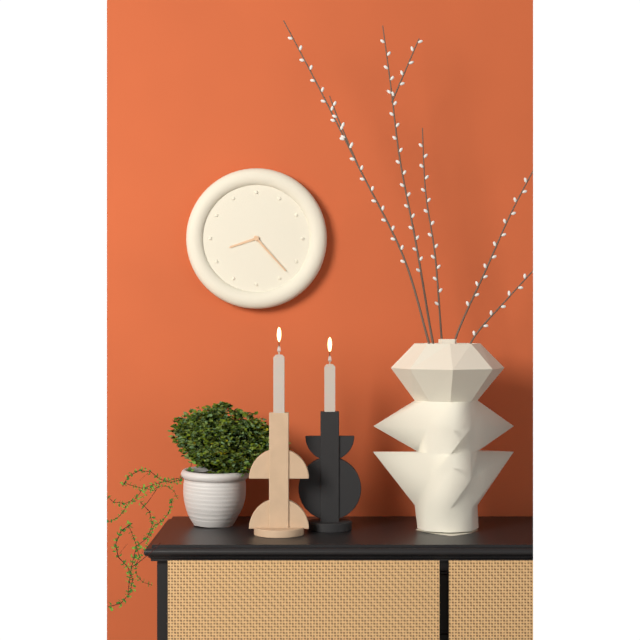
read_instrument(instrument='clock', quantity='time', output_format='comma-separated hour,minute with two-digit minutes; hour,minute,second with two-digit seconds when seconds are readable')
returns 8,23
